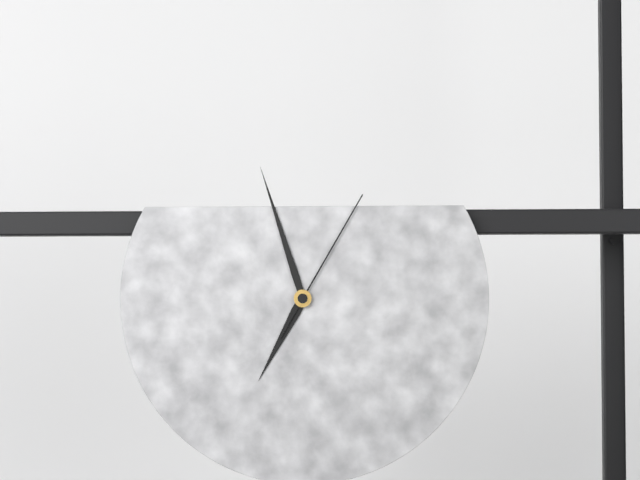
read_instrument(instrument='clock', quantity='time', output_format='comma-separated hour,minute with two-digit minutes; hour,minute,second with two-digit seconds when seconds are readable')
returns 6,57,05
